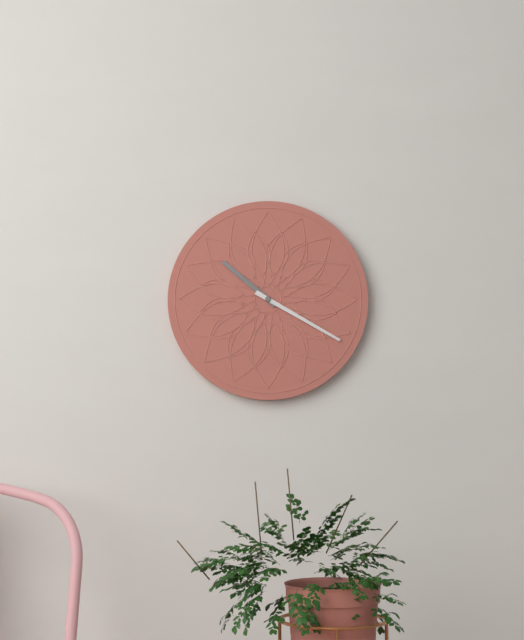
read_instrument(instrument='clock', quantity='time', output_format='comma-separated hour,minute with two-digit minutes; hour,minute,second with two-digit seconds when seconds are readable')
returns 10,20
